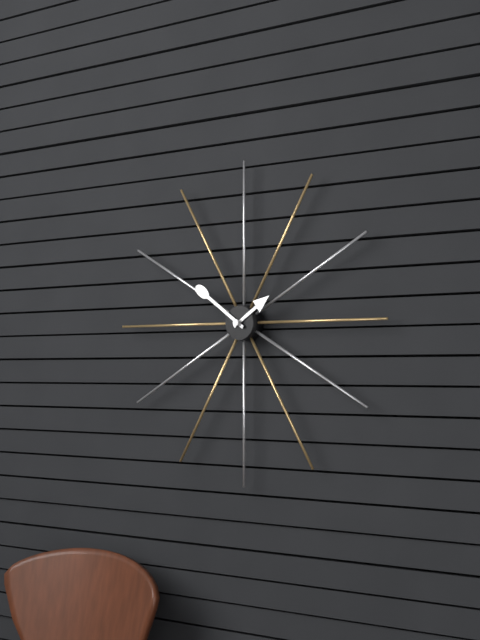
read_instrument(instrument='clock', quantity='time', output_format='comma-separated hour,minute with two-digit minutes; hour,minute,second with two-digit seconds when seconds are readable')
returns 1,51
